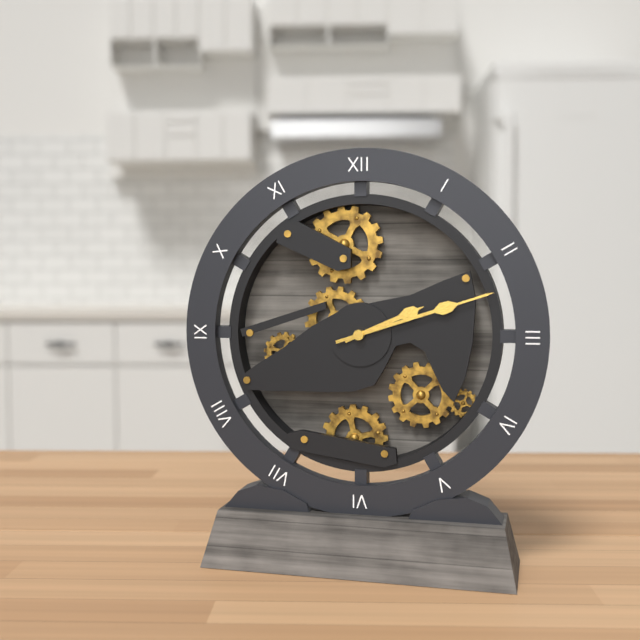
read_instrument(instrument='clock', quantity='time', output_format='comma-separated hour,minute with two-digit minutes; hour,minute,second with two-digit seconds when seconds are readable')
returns 2,12
